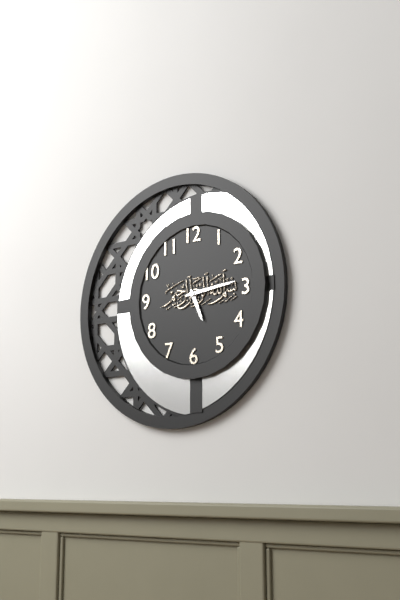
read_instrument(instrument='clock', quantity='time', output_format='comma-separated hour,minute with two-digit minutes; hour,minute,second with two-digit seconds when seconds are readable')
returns 5,14
